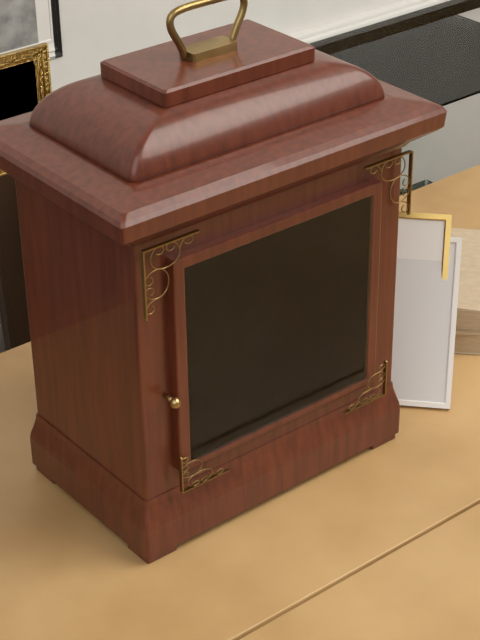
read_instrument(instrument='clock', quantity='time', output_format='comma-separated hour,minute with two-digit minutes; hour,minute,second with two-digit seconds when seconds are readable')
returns 9,35
